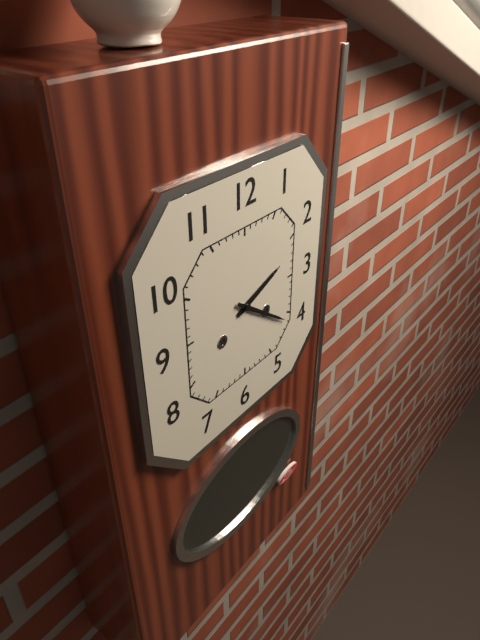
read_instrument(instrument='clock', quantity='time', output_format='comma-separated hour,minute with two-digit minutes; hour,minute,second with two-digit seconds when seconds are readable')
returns 2,21
